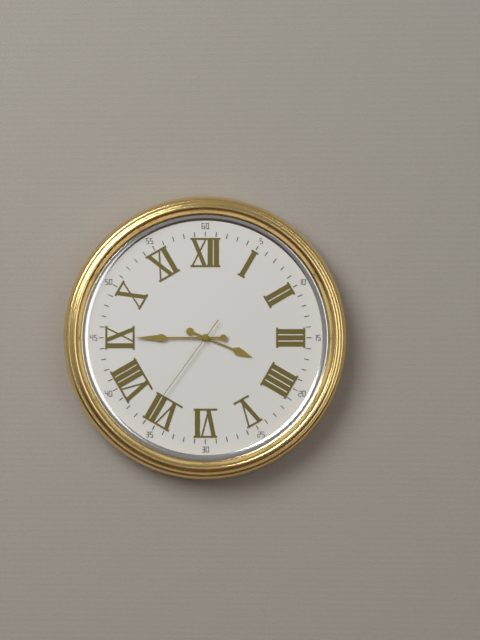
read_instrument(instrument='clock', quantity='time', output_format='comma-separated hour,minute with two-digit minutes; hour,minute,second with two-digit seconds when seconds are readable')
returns 3,45,36
